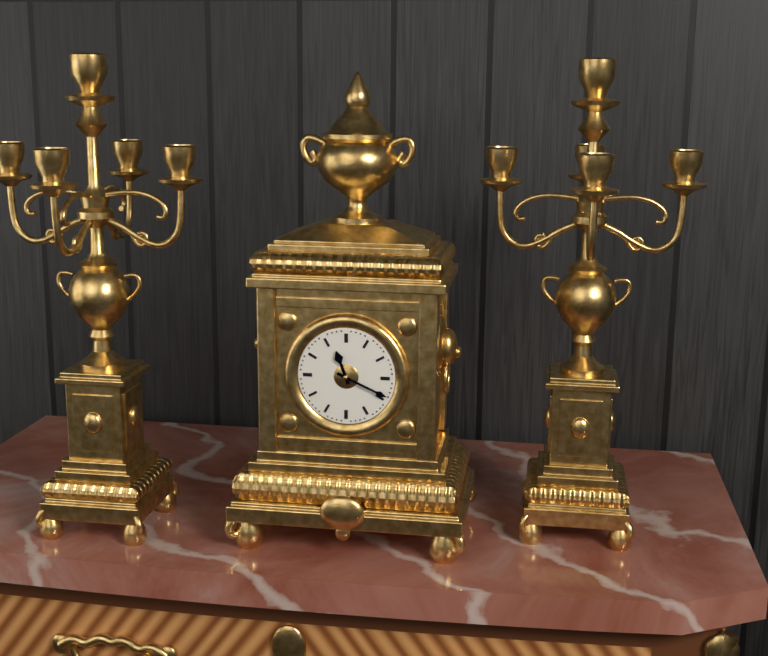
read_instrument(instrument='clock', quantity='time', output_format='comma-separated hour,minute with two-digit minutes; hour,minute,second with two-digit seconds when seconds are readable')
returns 11,19
